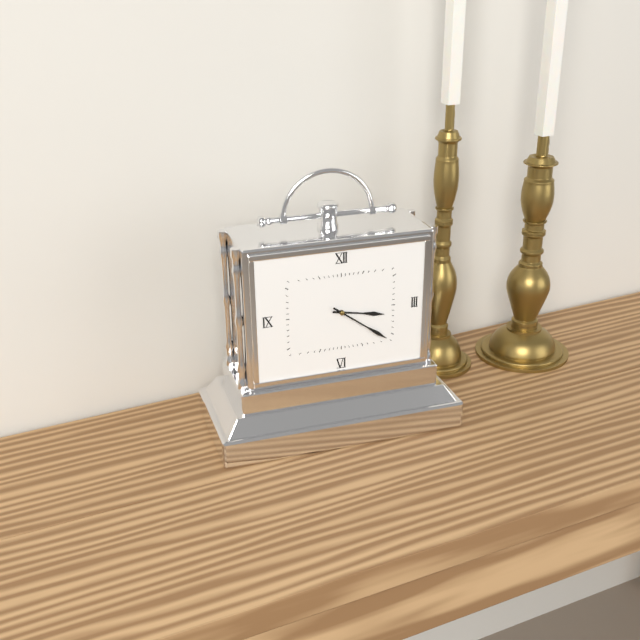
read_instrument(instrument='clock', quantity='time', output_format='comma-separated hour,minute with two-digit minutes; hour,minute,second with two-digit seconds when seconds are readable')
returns 3,21
